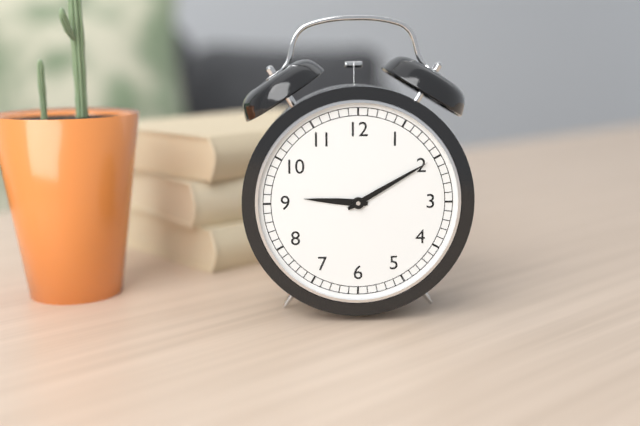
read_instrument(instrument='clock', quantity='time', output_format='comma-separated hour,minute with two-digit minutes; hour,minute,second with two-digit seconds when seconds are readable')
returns 9,10
